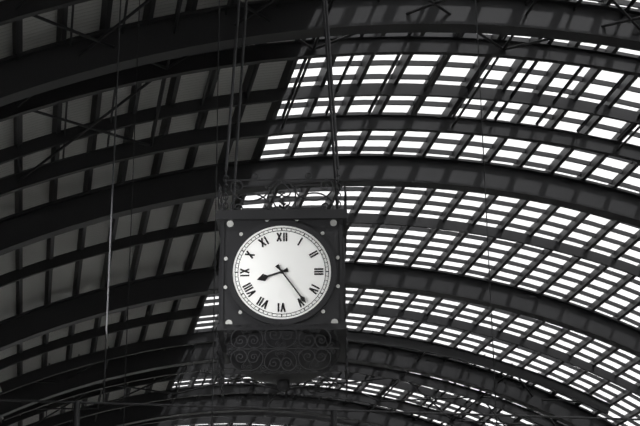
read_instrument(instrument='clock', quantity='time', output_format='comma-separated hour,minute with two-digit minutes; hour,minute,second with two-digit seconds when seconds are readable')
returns 8,24
